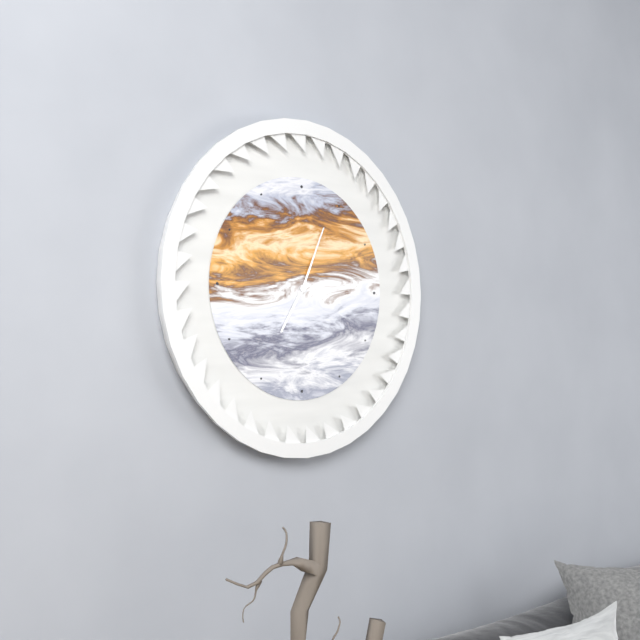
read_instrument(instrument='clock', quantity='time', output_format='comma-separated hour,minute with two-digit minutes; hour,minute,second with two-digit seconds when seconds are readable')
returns 7,04
